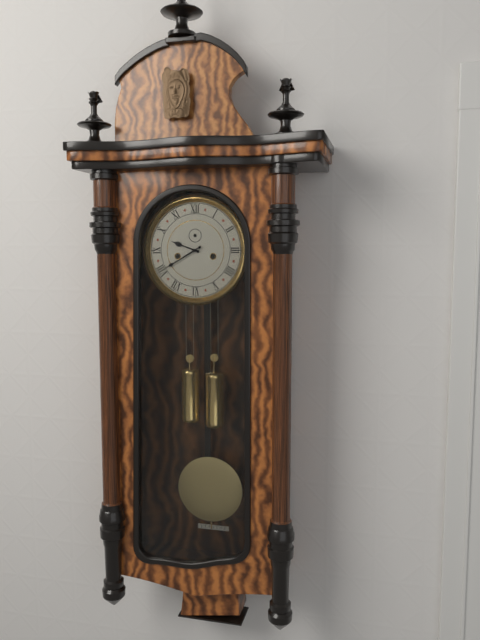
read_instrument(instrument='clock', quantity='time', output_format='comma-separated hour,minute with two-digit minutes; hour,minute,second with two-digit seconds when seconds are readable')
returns 9,40
